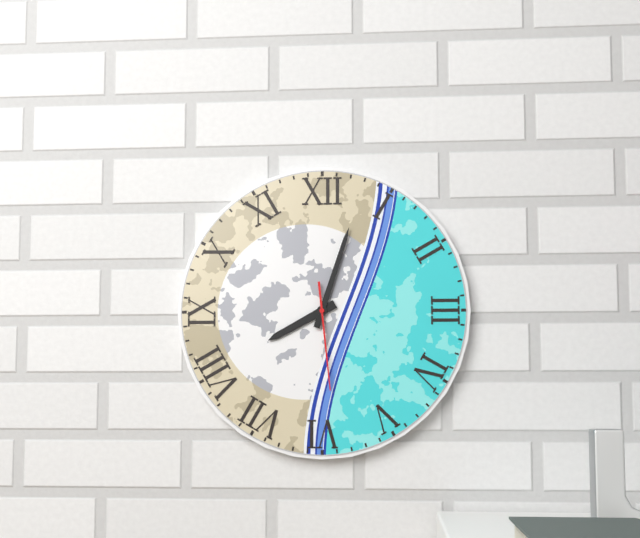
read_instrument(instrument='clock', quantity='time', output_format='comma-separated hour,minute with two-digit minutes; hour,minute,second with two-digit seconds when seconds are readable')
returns 8,03,29
